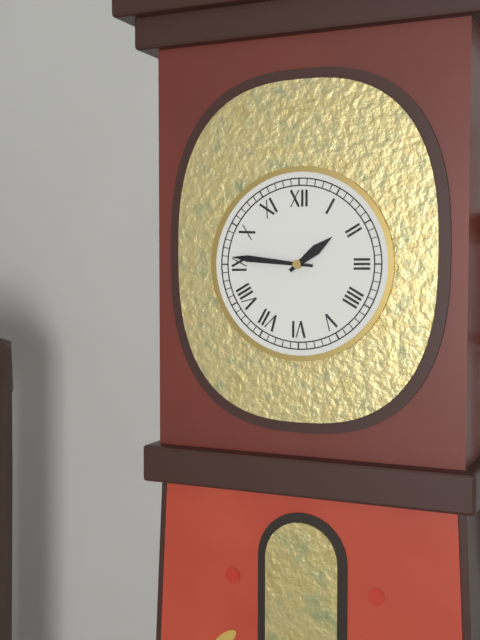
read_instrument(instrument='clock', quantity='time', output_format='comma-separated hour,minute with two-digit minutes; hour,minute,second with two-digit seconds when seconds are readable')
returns 1,46
